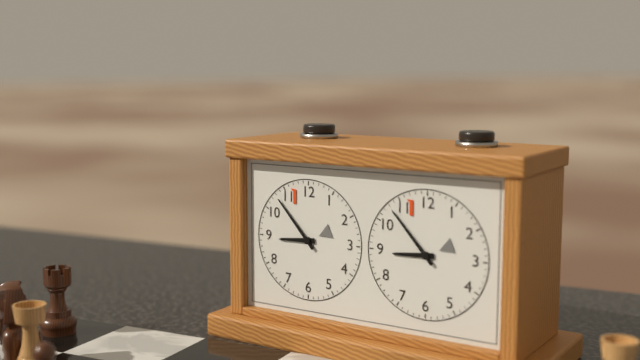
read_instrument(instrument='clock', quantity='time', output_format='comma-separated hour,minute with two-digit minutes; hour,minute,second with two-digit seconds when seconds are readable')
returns 8,53
